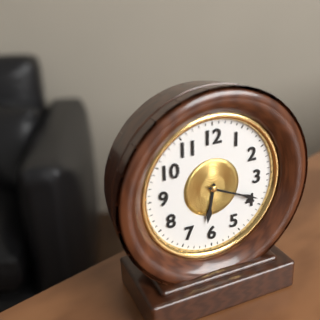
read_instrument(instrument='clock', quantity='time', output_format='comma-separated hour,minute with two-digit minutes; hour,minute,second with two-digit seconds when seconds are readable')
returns 6,19
